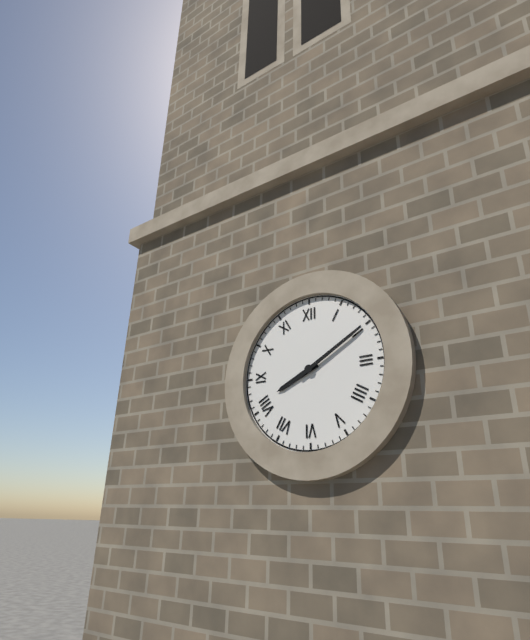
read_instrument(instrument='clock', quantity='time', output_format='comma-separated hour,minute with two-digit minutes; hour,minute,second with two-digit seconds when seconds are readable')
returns 8,10
